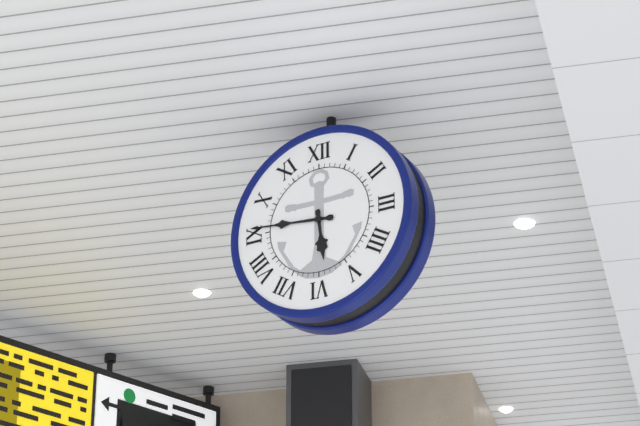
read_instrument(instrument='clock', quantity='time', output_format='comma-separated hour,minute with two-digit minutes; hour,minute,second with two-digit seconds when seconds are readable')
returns 5,46
